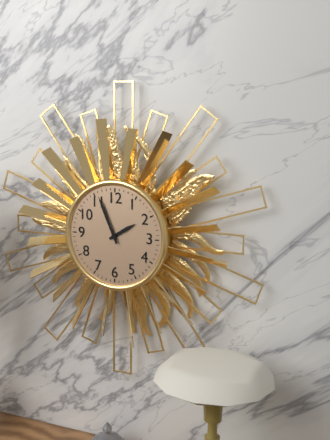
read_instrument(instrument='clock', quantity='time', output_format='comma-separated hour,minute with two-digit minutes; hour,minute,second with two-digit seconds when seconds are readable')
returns 1,56
